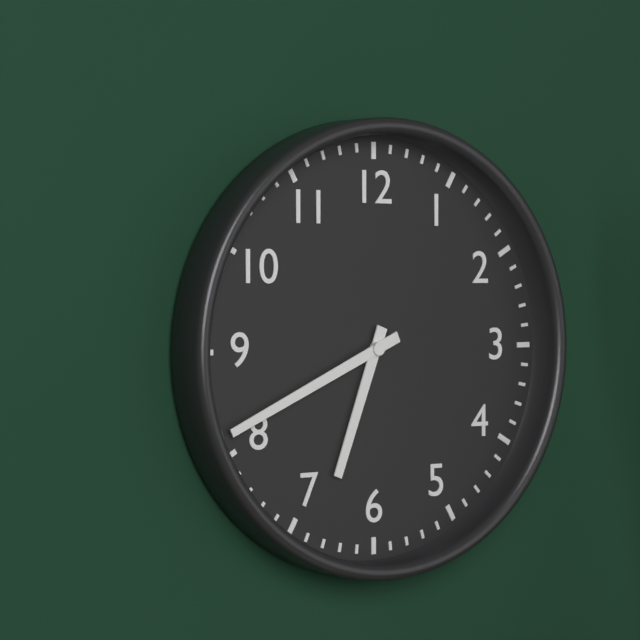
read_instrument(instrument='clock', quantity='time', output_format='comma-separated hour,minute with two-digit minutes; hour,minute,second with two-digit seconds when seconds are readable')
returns 6,41
